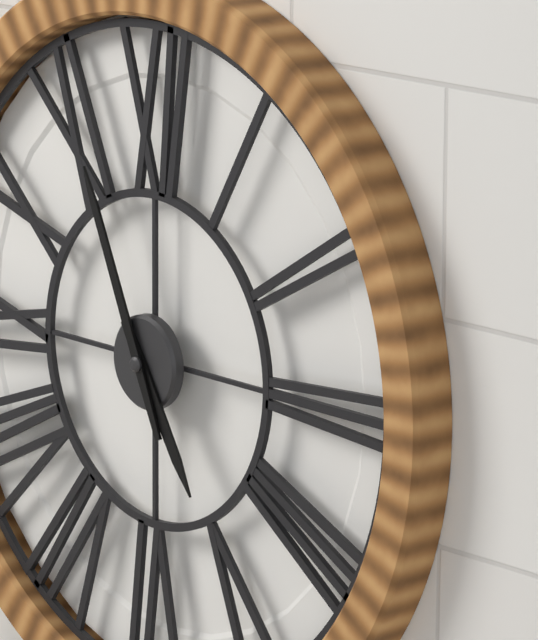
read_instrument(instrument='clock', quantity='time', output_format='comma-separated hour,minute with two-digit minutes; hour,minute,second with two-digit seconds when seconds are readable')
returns 4,56
